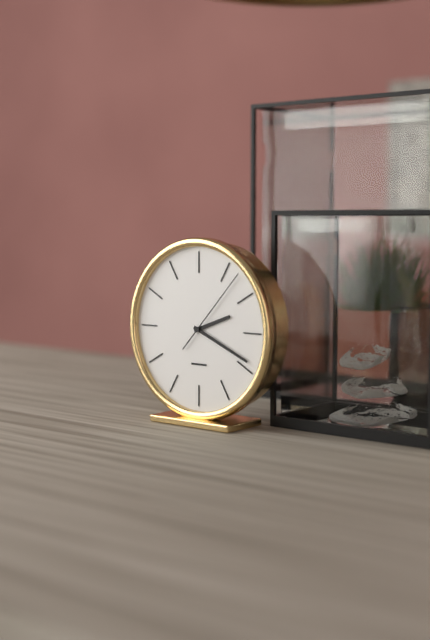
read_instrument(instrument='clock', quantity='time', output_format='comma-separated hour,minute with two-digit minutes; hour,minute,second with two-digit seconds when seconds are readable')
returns 2,19,07
